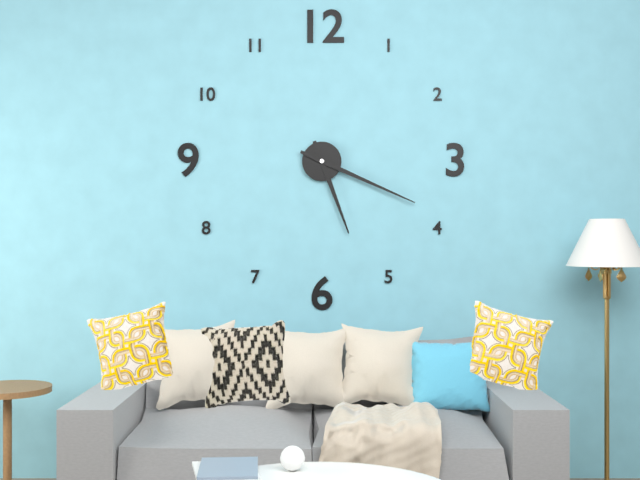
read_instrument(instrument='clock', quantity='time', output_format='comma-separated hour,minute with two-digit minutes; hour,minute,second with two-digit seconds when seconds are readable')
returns 5,19
